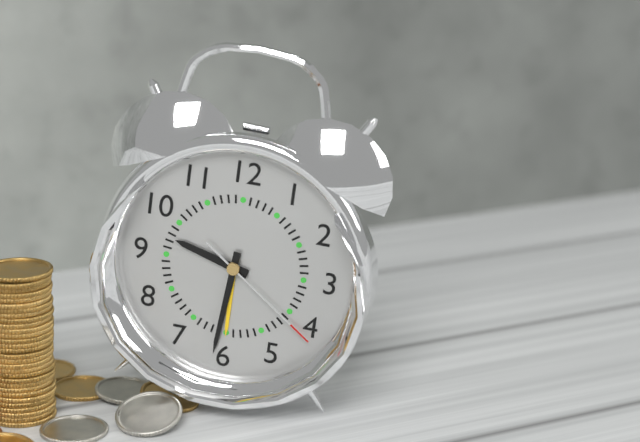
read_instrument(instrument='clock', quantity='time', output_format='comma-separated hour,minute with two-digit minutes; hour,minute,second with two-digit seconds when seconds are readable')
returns 9,31,21
